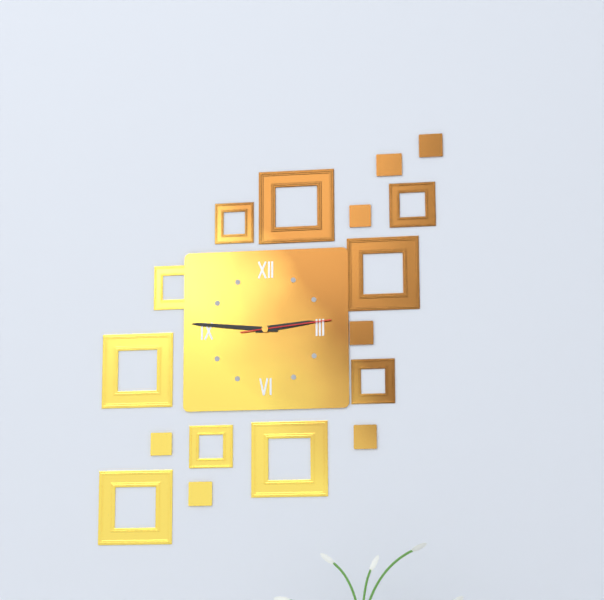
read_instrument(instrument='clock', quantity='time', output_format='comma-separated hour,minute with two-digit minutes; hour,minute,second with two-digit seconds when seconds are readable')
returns 2,46,14
